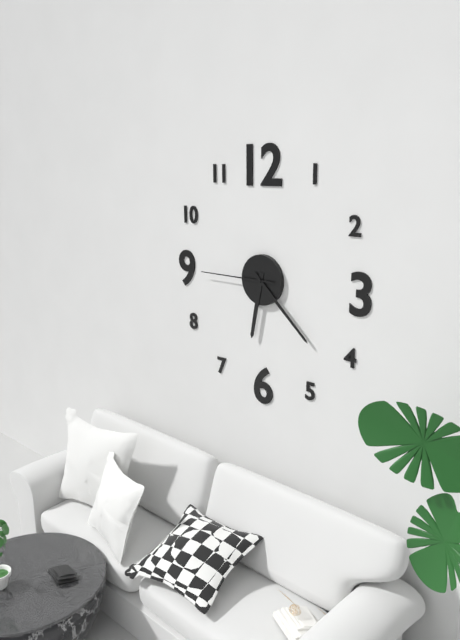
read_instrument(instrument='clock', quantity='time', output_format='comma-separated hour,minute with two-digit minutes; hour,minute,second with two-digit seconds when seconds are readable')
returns 6,22,45
